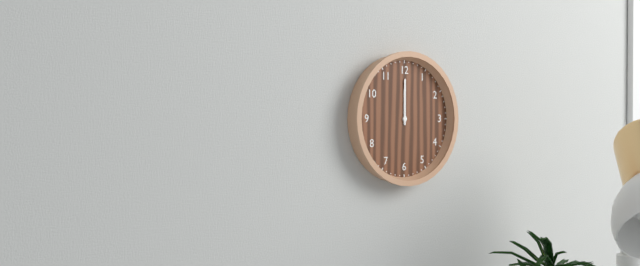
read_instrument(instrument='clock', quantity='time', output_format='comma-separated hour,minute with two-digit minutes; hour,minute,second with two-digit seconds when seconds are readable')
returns 12,00
